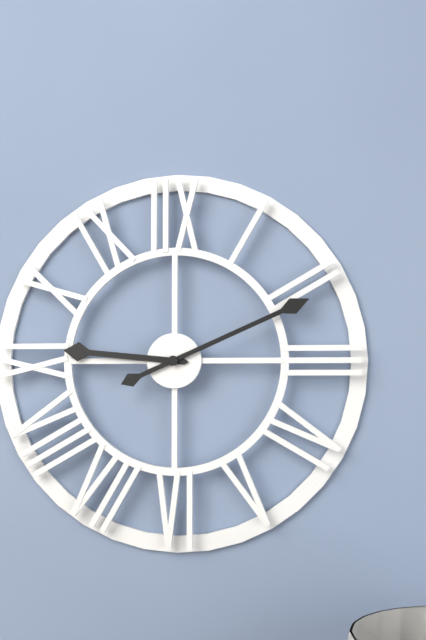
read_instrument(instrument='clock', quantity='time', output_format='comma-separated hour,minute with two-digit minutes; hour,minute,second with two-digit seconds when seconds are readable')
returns 9,11
